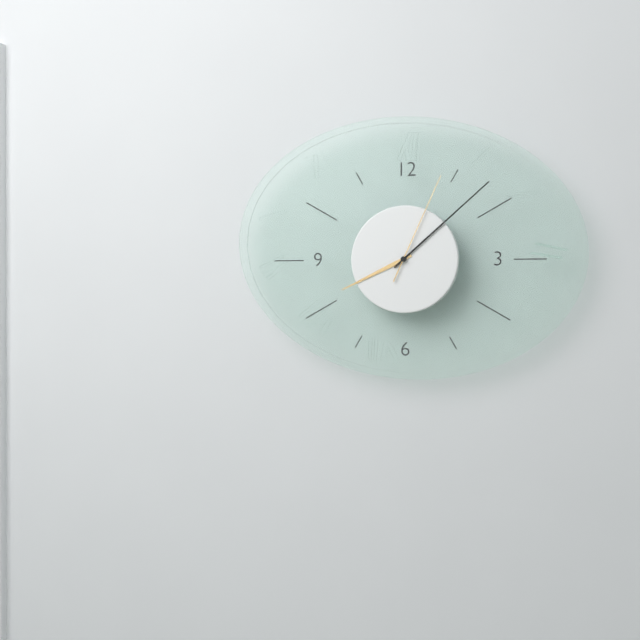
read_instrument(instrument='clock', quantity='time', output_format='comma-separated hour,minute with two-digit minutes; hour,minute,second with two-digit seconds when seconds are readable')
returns 8,08,04
